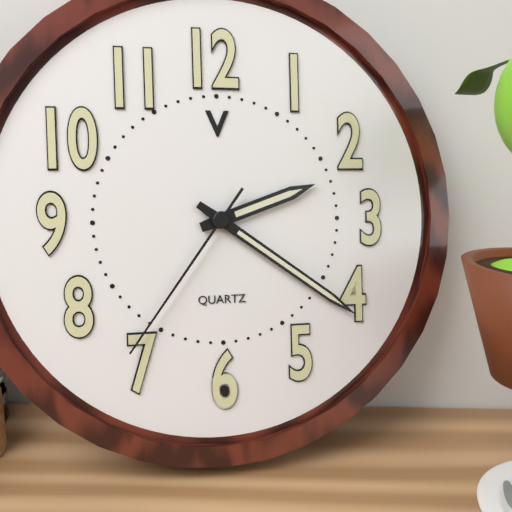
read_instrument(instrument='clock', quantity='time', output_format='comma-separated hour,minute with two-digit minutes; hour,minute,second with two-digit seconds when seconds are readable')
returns 2,21,36
